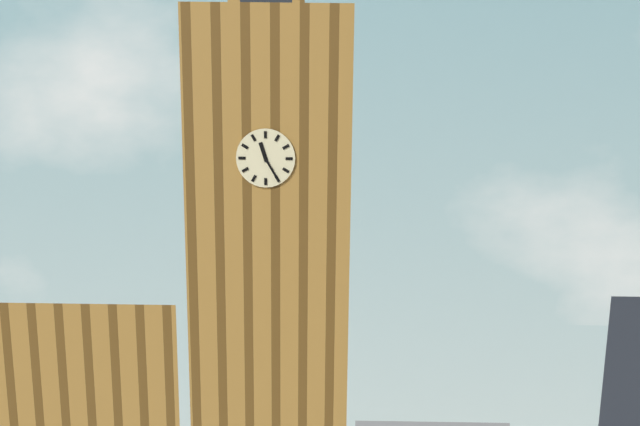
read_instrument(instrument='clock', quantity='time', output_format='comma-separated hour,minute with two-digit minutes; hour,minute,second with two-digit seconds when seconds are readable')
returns 11,25
